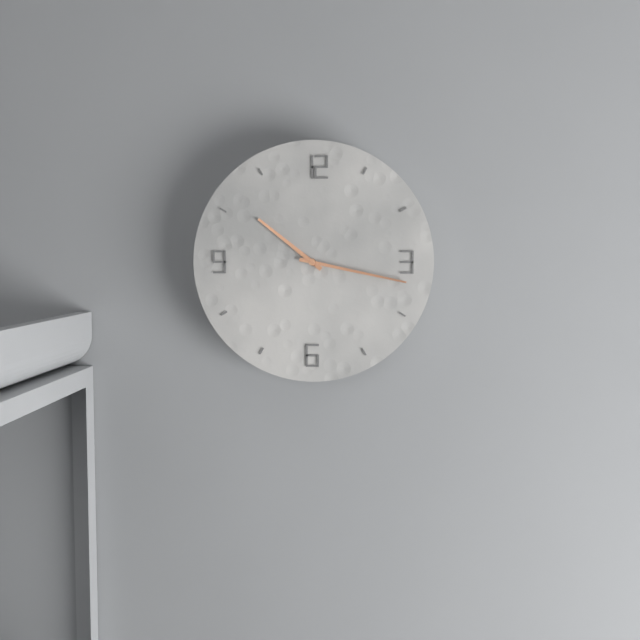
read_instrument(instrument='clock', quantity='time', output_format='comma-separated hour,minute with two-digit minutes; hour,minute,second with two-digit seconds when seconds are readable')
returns 10,17
